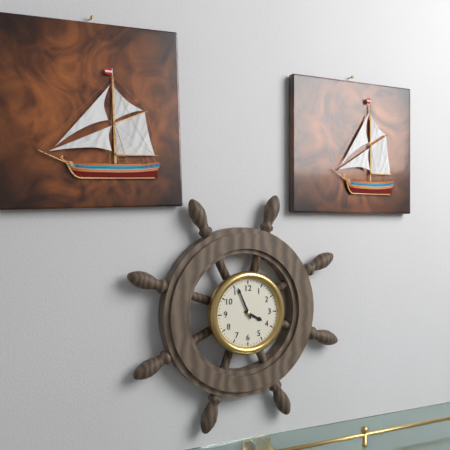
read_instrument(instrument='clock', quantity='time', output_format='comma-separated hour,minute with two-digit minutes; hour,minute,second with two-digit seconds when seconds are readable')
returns 3,56
